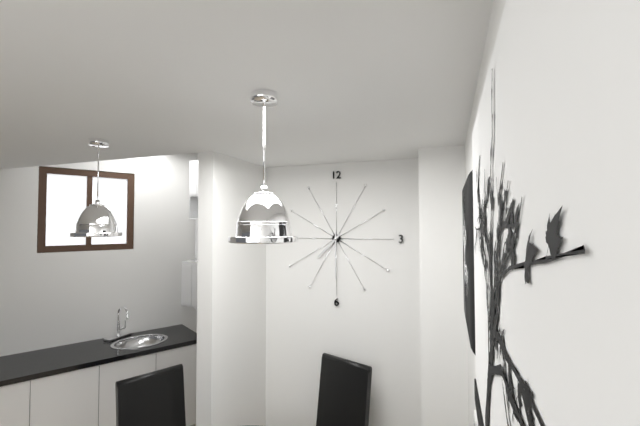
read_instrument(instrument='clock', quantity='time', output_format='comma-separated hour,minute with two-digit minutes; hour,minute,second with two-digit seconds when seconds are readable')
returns 7,30
